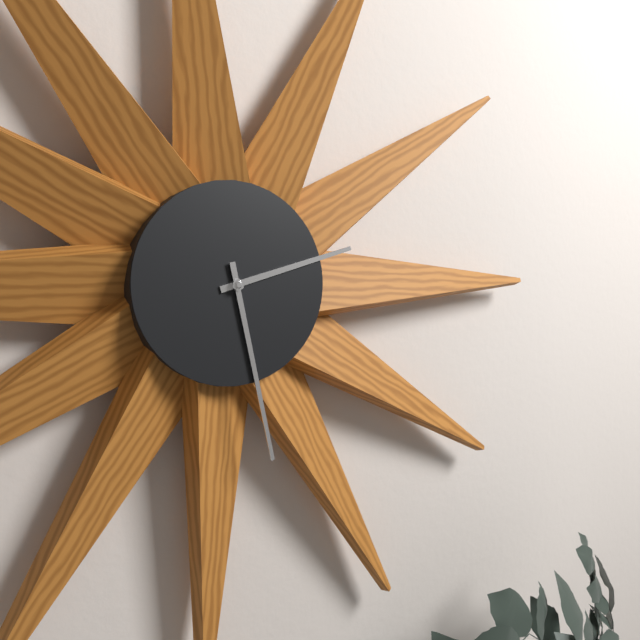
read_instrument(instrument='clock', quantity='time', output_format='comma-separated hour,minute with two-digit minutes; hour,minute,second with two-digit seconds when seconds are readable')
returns 2,28
